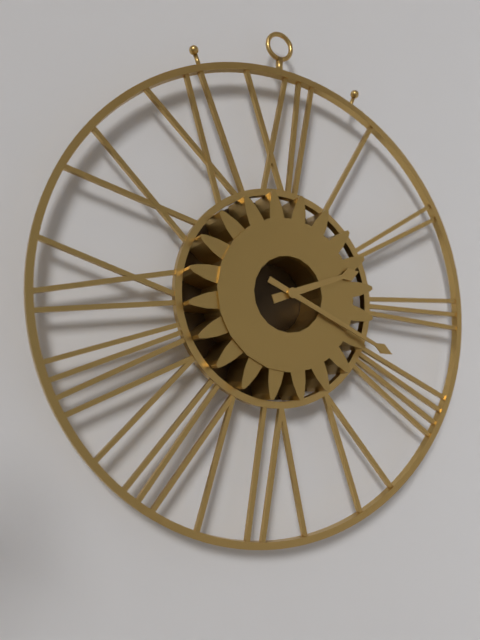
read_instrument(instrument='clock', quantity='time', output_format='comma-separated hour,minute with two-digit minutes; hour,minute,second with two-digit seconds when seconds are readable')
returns 2,19
